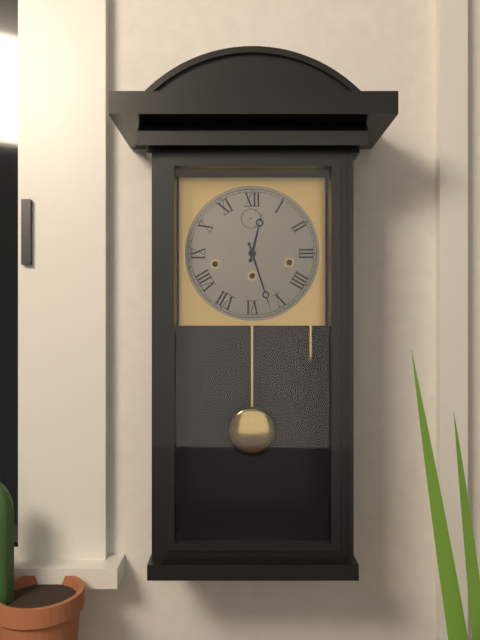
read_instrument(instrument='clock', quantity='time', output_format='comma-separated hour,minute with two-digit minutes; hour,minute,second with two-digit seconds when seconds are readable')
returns 12,27
